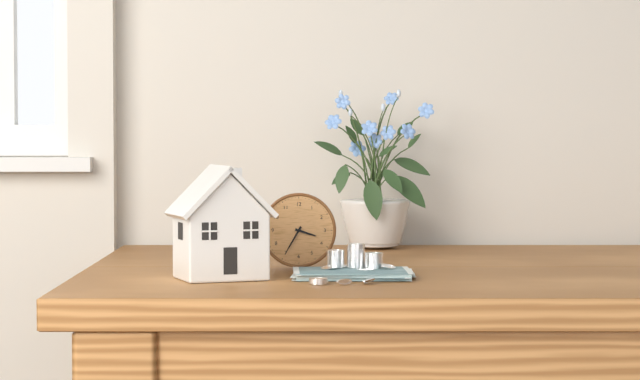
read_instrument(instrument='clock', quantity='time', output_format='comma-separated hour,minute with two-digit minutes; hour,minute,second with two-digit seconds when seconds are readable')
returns 3,35
